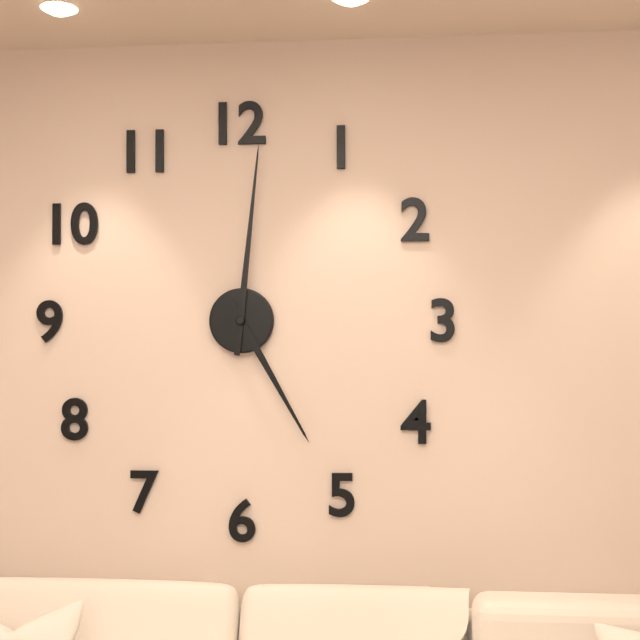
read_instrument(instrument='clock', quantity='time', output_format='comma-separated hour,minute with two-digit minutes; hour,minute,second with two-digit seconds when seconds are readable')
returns 5,01
